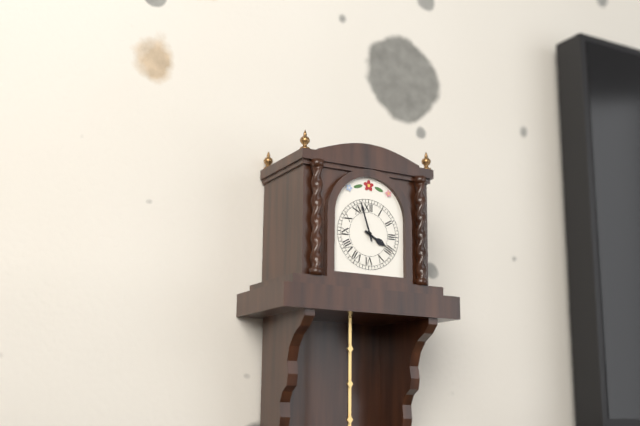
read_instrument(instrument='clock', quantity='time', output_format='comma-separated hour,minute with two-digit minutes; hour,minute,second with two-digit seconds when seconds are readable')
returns 3,57
